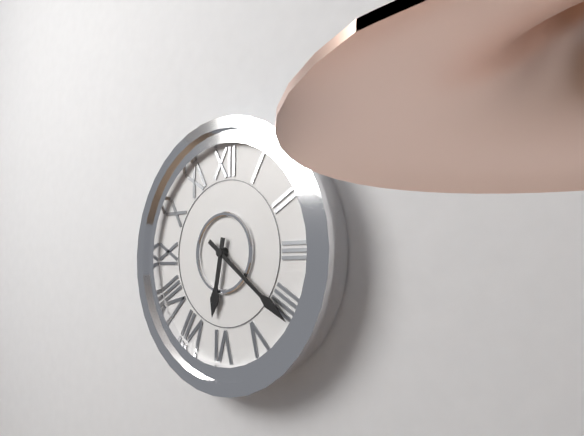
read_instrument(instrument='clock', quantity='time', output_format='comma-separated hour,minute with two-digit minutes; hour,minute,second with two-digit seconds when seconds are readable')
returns 6,21
